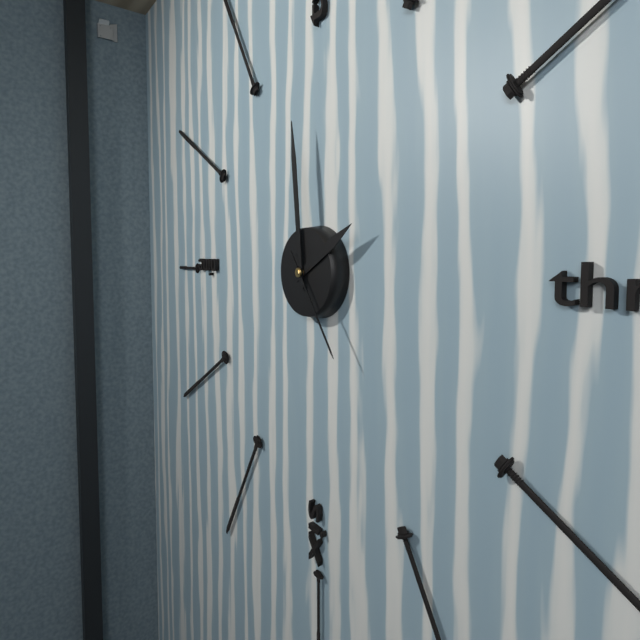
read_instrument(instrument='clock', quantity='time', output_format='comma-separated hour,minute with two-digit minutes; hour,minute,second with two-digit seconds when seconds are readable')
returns 1,59,24
